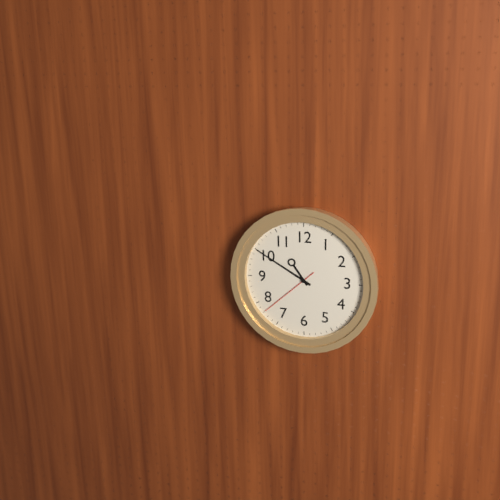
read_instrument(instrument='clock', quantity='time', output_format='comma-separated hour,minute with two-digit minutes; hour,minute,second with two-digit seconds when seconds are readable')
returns 10,50,38
